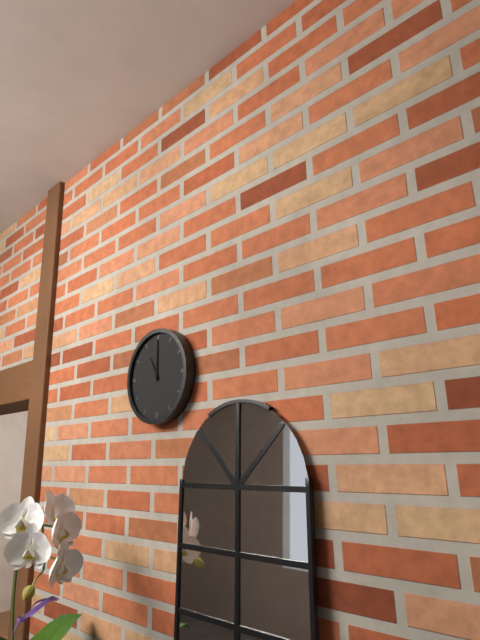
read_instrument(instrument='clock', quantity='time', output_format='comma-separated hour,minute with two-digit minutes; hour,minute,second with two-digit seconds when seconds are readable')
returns 11,00
